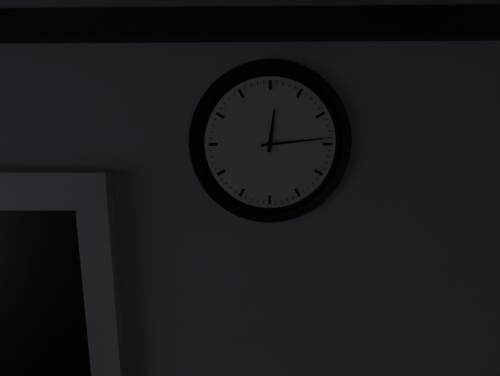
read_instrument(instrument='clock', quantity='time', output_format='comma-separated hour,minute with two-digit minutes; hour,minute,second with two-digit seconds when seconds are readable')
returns 12,14
